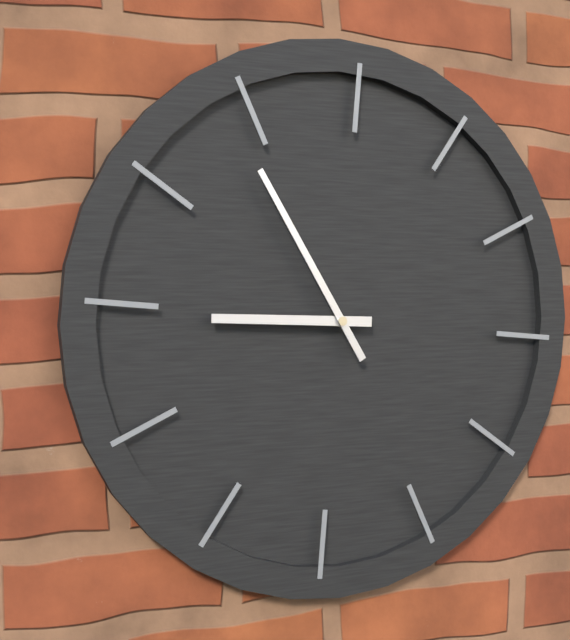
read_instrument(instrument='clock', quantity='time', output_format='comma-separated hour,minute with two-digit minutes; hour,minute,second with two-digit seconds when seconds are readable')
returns 8,54
